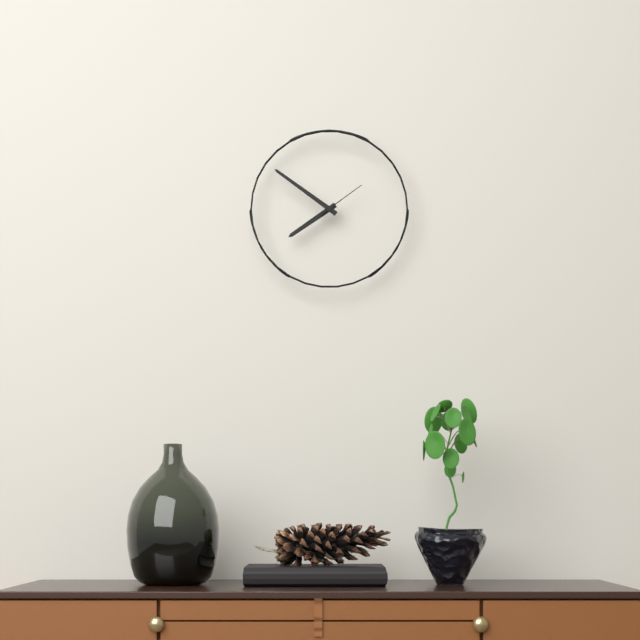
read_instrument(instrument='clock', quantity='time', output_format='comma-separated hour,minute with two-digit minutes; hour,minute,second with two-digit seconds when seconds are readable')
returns 7,51,09
